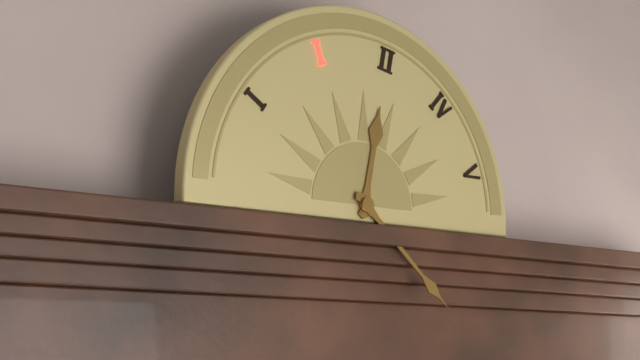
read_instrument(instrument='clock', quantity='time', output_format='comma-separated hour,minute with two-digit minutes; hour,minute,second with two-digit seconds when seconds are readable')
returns 12,22
